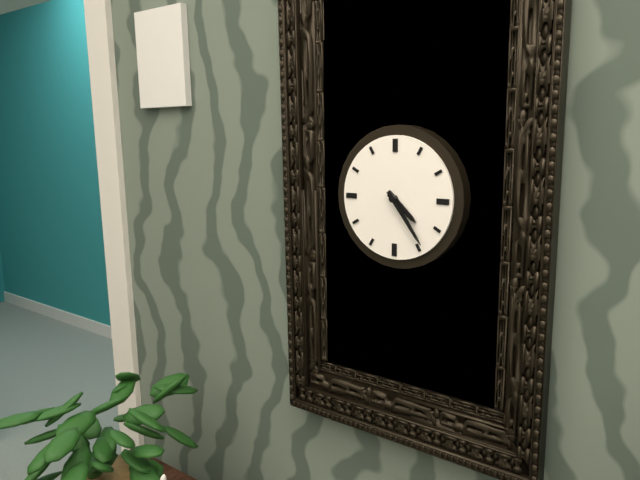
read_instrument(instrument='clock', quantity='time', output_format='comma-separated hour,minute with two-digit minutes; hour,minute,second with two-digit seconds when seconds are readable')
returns 4,24
